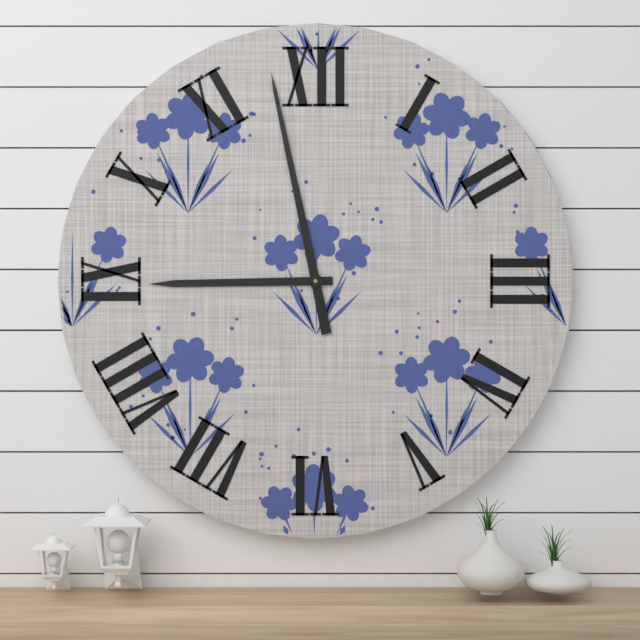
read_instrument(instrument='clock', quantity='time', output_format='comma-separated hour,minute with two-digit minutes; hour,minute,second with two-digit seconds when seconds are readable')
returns 8,58
